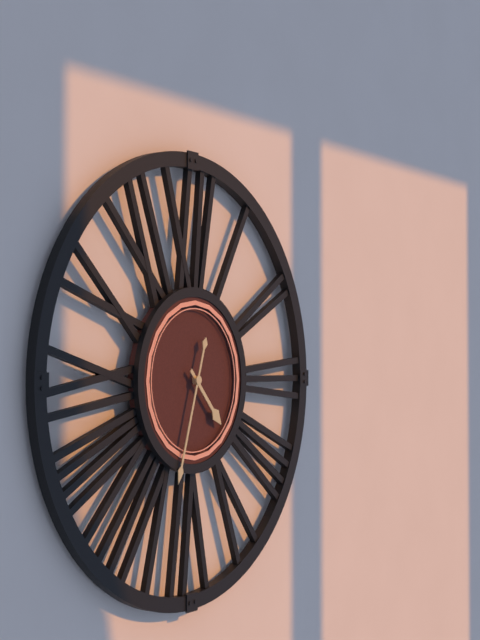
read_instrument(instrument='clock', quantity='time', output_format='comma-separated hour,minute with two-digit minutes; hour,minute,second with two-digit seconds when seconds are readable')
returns 4,33
